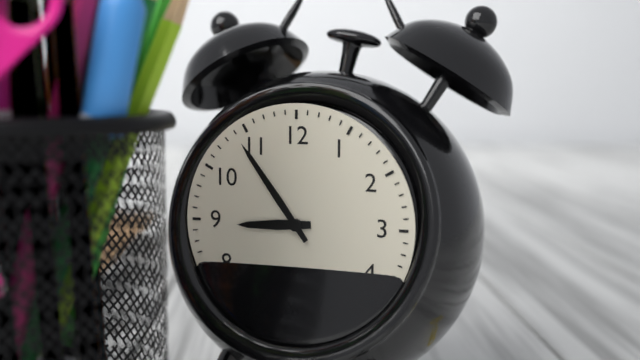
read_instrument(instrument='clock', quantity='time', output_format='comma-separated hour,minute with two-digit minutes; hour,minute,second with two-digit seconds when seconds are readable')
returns 8,54
